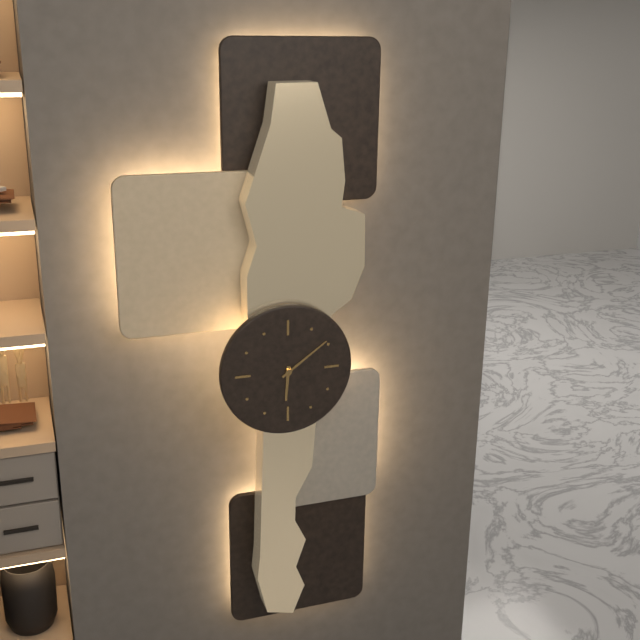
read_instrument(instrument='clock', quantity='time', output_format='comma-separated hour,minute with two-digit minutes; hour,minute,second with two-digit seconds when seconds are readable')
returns 6,09
